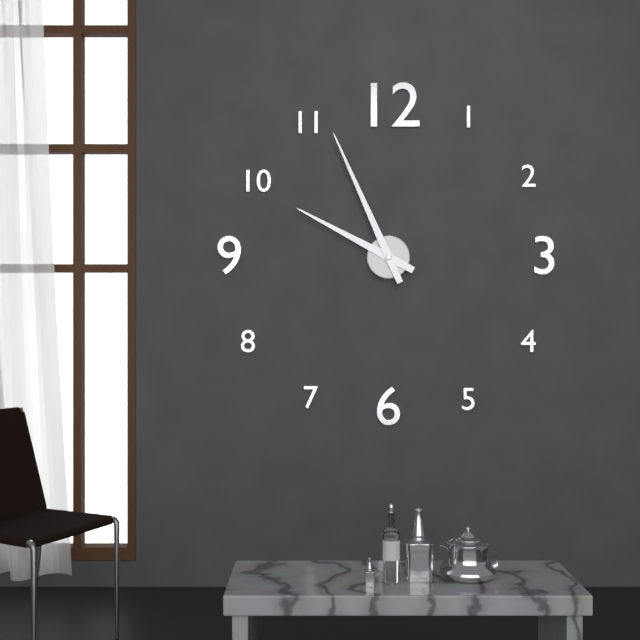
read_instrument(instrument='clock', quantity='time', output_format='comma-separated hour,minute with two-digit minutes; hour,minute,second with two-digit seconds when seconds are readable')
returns 9,56
